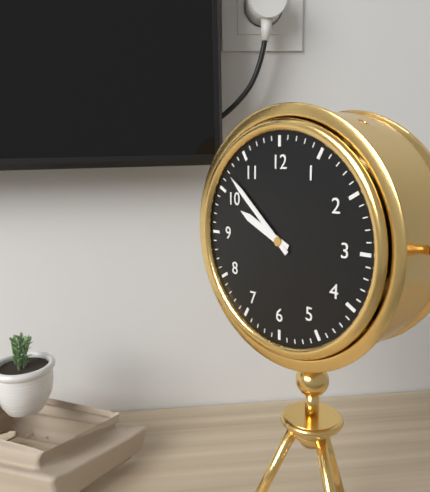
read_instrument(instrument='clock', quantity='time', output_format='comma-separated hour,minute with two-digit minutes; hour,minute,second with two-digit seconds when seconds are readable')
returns 9,52
